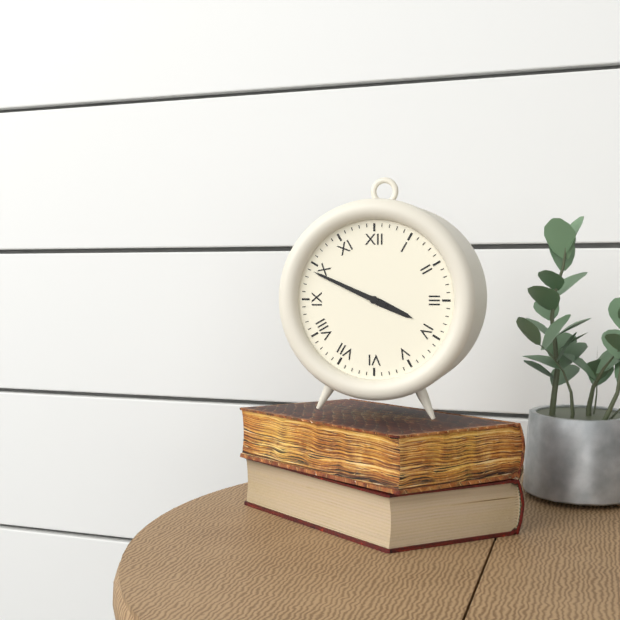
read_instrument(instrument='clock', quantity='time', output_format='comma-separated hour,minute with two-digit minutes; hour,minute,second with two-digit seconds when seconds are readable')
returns 3,49
